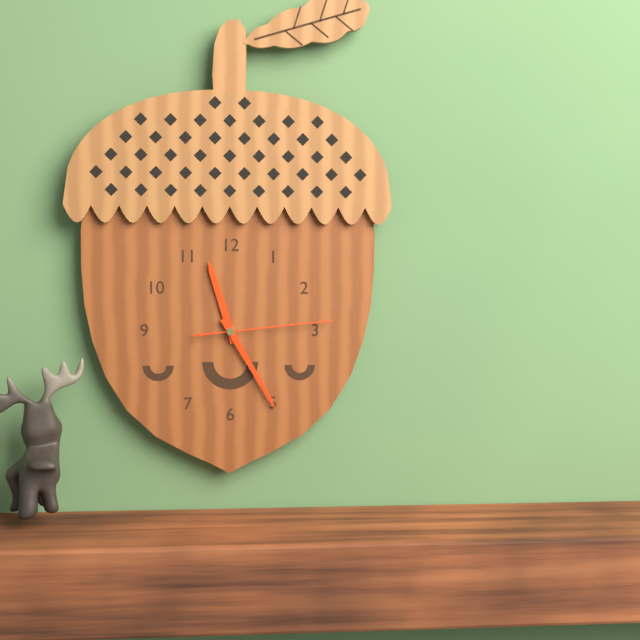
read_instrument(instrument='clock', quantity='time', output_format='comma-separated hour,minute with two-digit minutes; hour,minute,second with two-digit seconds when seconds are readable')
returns 11,25,14
